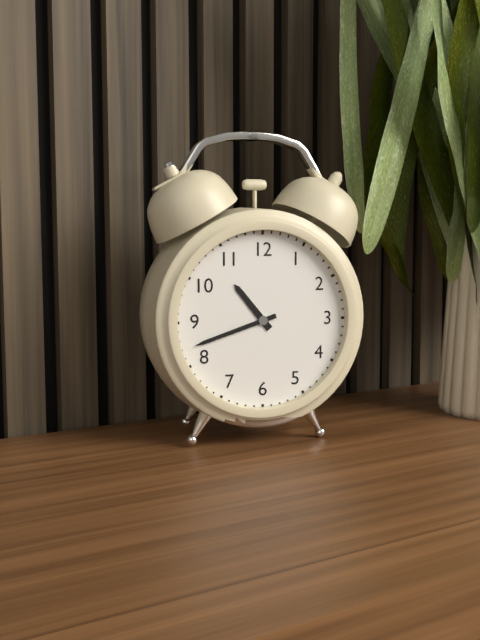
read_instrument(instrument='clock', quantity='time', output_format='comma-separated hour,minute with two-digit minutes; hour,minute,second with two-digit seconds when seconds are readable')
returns 10,42
